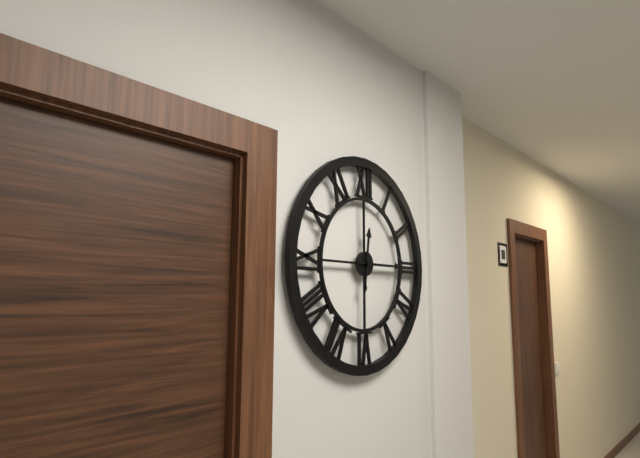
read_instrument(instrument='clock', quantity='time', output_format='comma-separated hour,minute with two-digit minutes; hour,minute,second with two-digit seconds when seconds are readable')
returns 12,15
